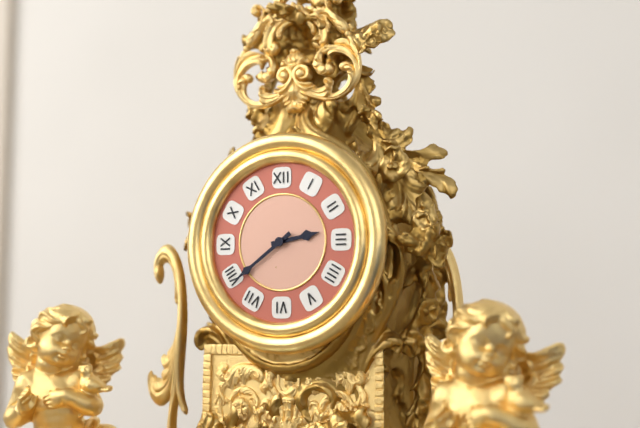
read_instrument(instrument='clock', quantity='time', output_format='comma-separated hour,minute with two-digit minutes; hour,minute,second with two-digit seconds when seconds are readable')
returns 2,39
